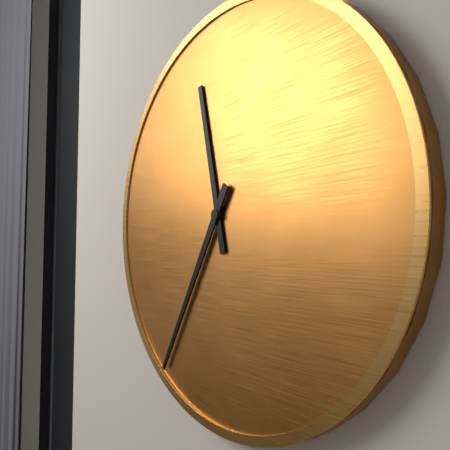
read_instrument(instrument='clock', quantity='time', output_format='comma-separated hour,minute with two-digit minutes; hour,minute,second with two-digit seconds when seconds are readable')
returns 11,35
